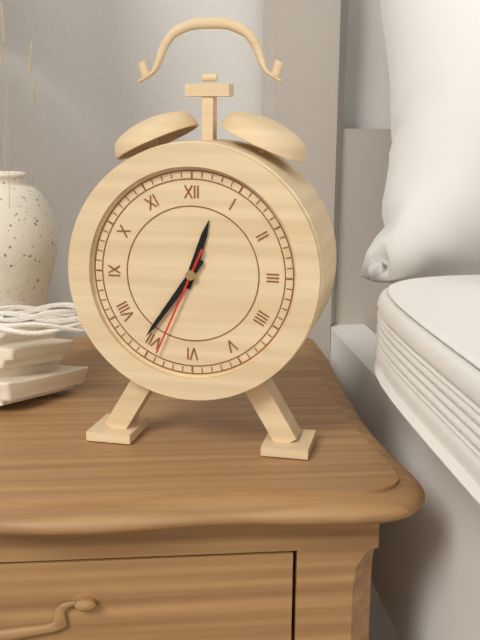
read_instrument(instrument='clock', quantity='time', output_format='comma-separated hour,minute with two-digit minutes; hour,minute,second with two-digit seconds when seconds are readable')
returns 12,36,34
